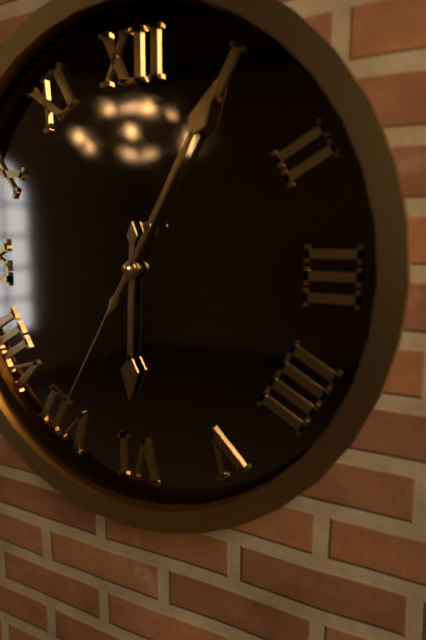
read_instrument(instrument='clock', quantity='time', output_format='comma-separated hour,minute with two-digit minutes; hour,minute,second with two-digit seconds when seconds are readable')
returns 6,05,35
